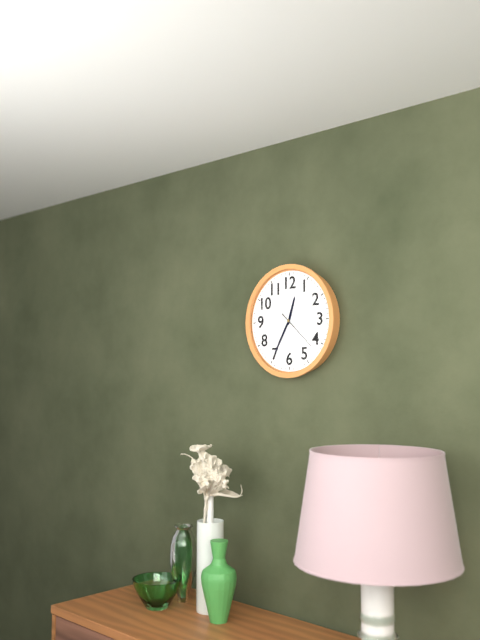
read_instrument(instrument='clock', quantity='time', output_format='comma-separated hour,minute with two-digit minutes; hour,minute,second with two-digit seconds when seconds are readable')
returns 12,35
